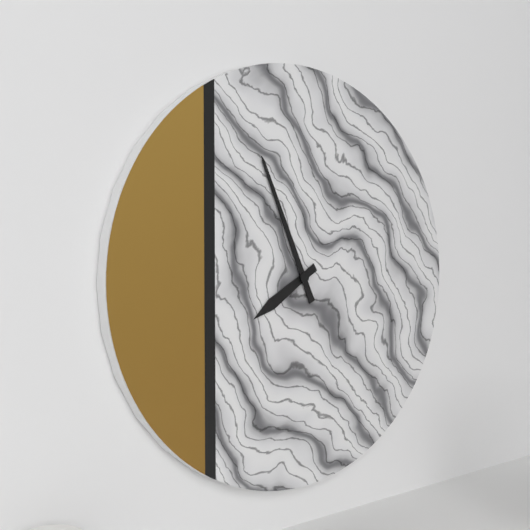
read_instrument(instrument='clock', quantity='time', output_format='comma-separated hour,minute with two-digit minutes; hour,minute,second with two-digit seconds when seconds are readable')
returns 7,56
